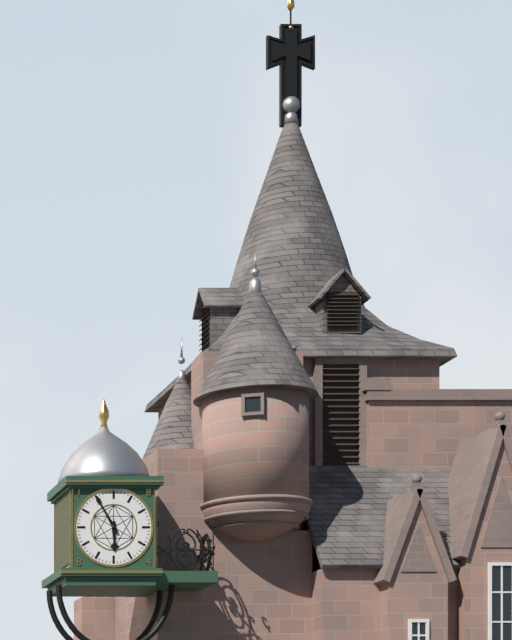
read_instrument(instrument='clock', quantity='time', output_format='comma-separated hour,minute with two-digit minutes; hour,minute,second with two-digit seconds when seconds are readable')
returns 5,55
